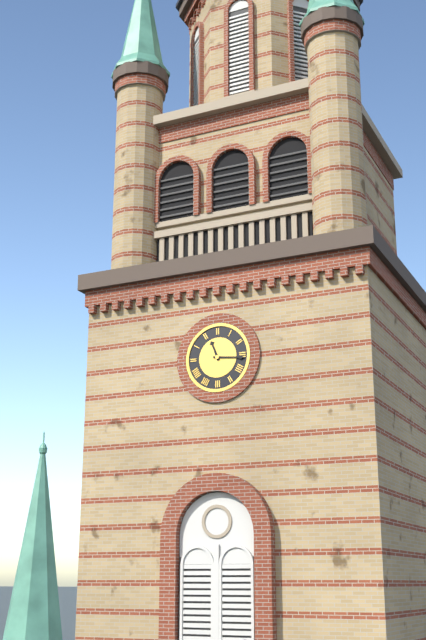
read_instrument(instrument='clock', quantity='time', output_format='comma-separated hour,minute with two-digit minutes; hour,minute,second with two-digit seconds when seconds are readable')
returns 11,16
